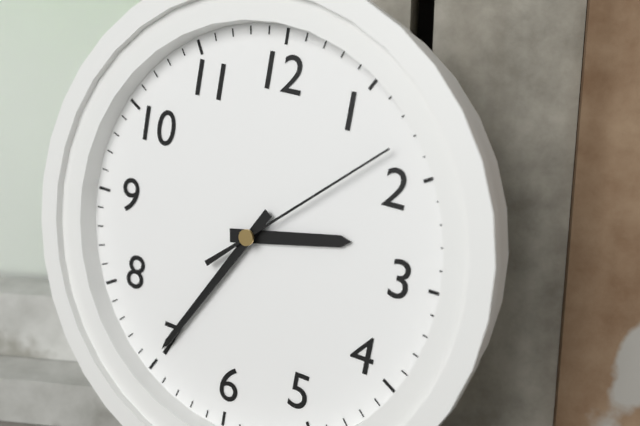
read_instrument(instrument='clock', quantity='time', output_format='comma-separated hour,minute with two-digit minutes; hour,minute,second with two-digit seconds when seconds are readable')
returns 2,35,08
